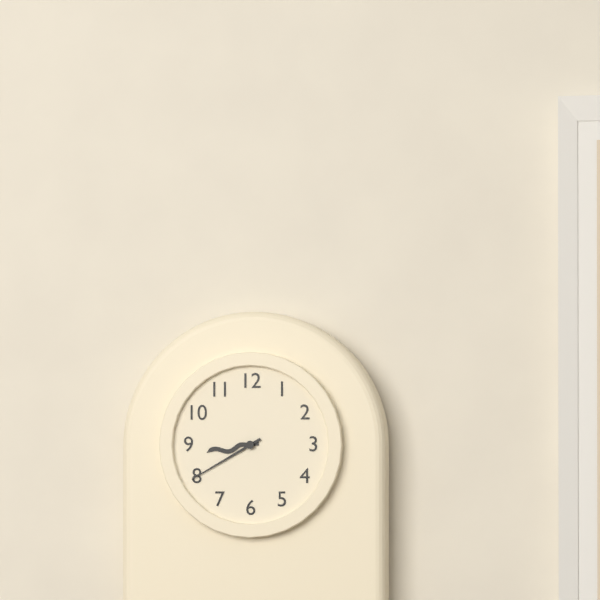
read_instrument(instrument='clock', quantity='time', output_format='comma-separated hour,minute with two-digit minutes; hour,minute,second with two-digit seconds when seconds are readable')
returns 8,40
